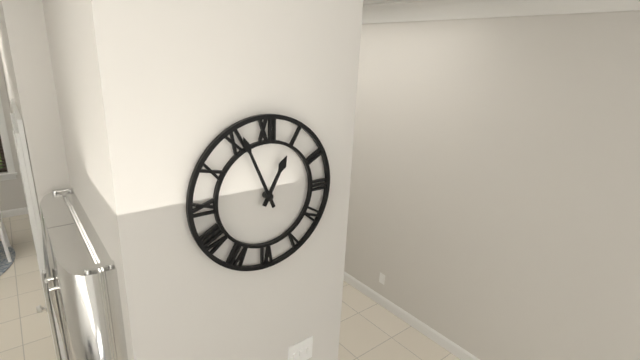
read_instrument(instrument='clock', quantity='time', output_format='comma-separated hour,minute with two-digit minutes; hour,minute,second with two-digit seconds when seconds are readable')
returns 12,56
